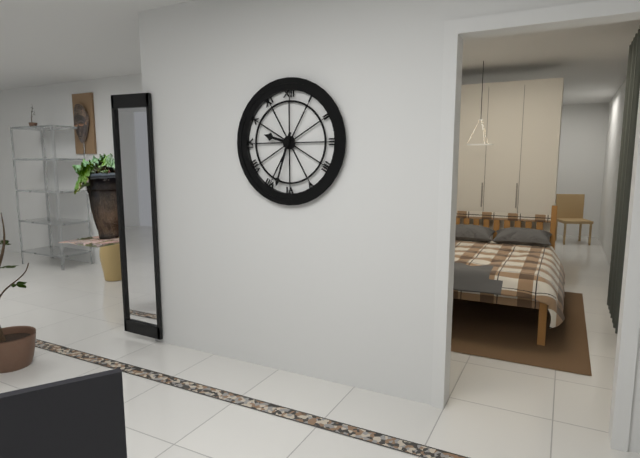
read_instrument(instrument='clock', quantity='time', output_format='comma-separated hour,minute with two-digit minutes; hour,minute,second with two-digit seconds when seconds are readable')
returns 9,33
